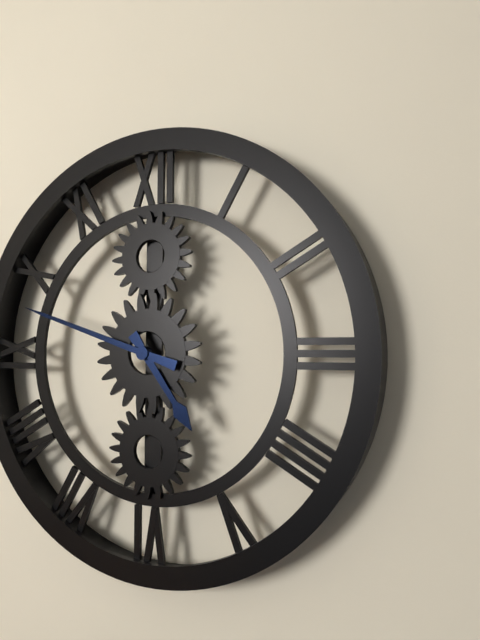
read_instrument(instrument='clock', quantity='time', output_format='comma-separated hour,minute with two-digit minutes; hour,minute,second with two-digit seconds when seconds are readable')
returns 4,48
